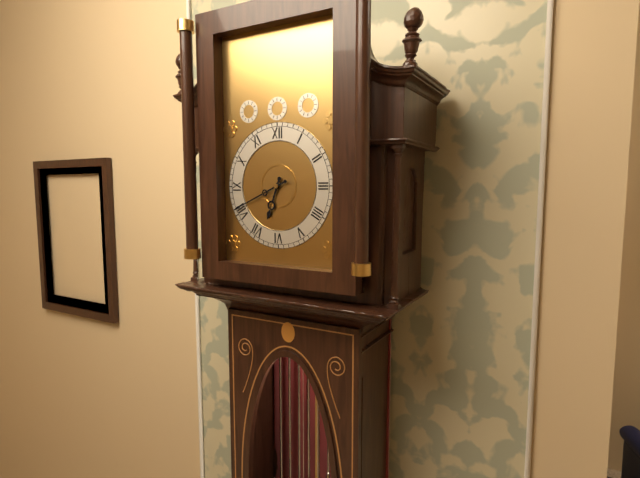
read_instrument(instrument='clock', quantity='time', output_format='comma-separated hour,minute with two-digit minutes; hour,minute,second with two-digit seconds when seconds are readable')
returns 6,41
